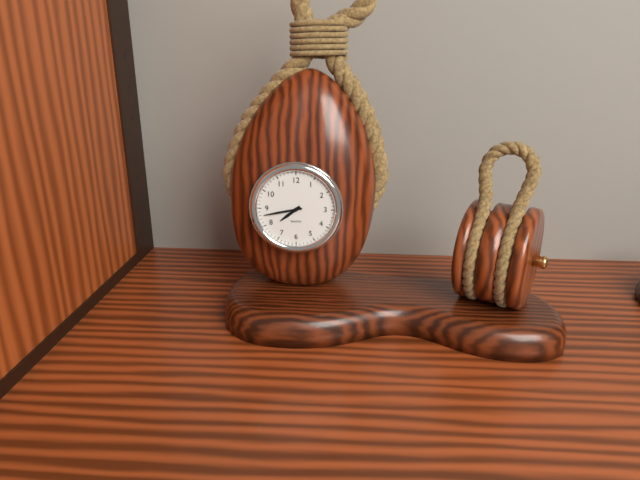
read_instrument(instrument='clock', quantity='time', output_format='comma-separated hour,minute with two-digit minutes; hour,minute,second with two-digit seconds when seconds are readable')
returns 7,43
